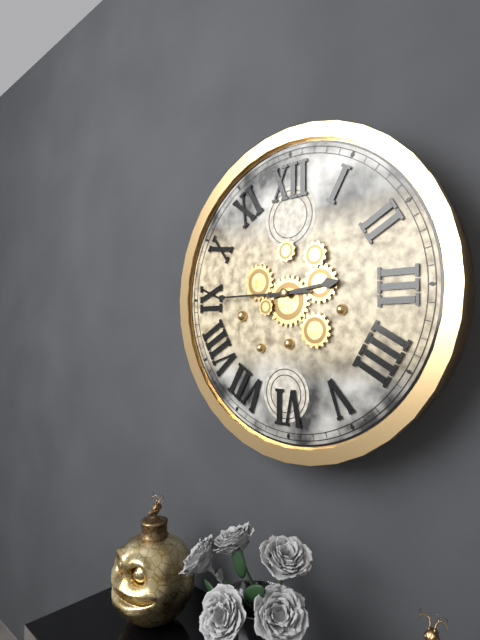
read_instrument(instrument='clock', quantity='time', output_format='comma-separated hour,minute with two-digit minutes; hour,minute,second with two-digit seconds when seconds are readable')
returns 2,45
